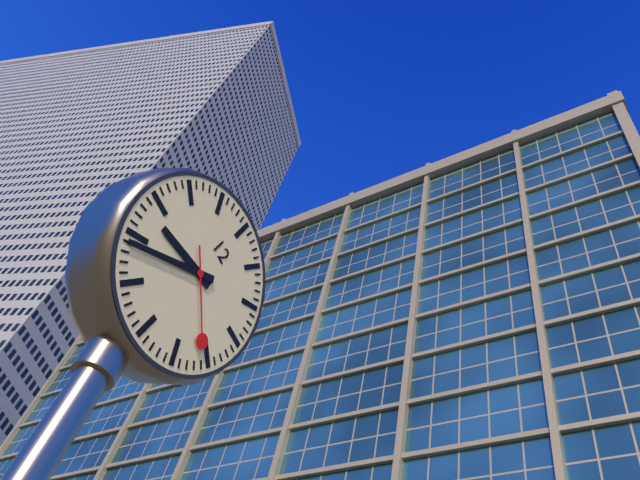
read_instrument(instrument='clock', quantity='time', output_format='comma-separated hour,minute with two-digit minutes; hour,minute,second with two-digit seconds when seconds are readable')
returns 8,39,21
